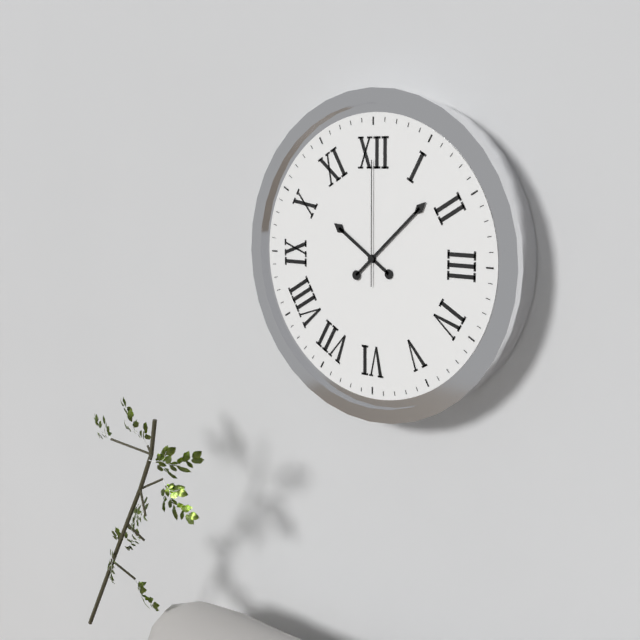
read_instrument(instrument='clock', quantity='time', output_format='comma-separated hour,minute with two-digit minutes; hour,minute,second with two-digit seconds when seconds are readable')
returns 10,08,00
